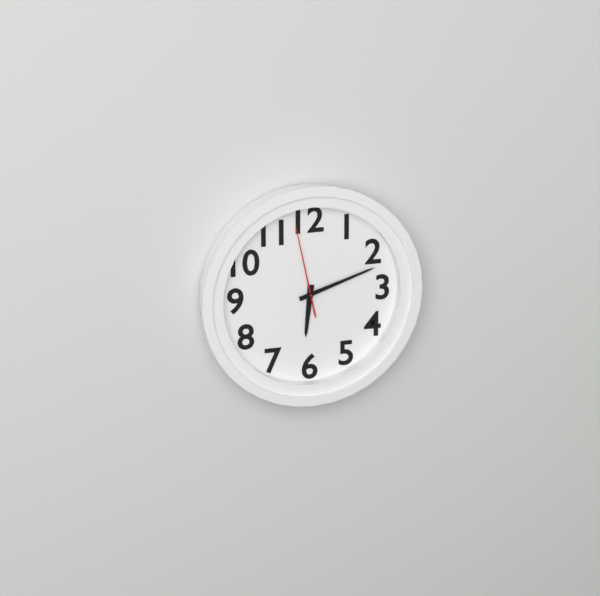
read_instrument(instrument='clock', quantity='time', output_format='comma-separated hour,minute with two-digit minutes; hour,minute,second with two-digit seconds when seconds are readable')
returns 6,12,58
